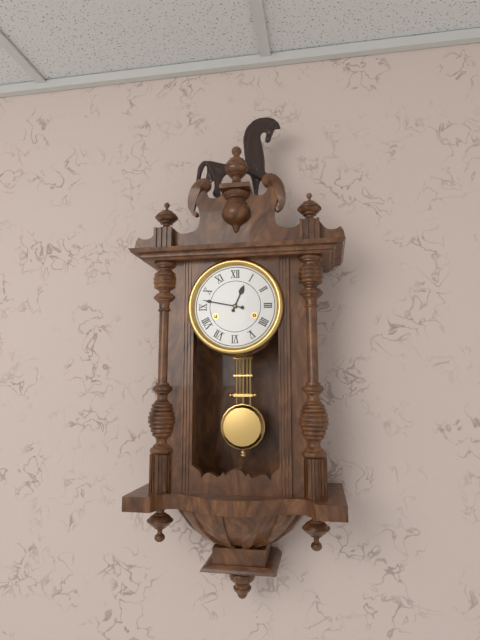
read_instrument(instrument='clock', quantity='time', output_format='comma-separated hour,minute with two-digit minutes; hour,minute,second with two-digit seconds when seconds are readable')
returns 12,47
